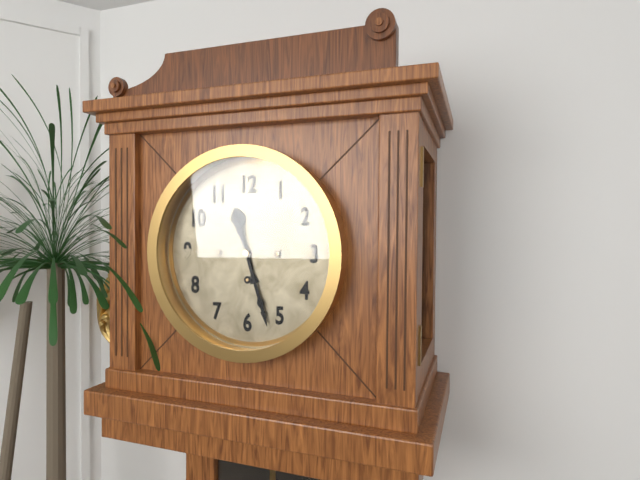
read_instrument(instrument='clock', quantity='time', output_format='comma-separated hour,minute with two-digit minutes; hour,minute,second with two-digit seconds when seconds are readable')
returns 11,27
